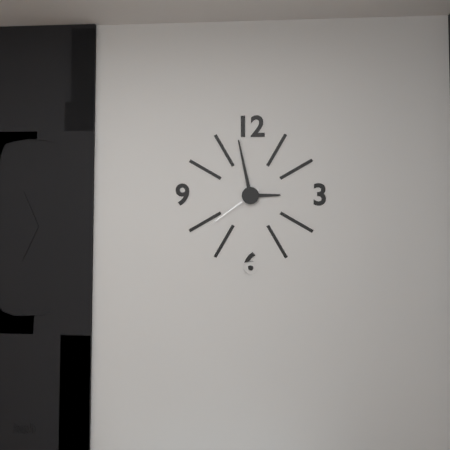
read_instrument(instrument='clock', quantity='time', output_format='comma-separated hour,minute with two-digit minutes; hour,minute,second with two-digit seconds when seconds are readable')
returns 2,58,39
